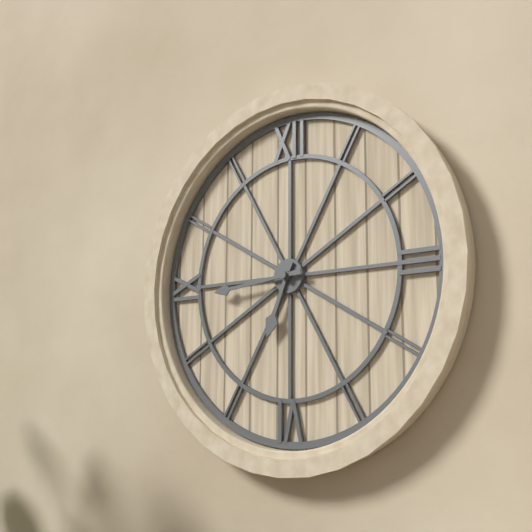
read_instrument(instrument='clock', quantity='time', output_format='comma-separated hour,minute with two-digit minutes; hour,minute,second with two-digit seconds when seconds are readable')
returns 6,44
